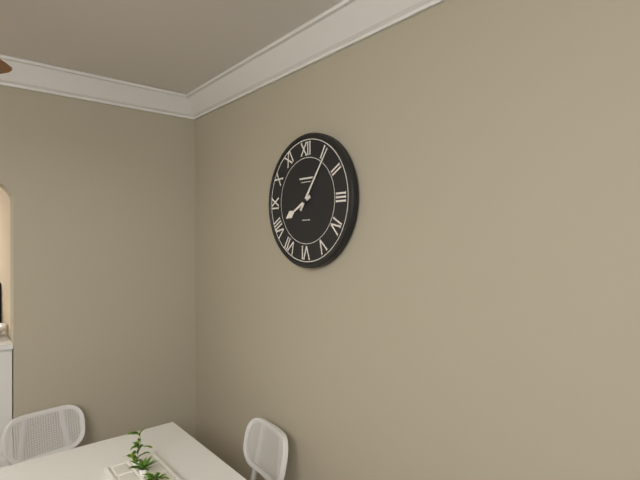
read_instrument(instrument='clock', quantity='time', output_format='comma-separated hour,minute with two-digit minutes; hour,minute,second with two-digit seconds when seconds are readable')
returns 8,06
